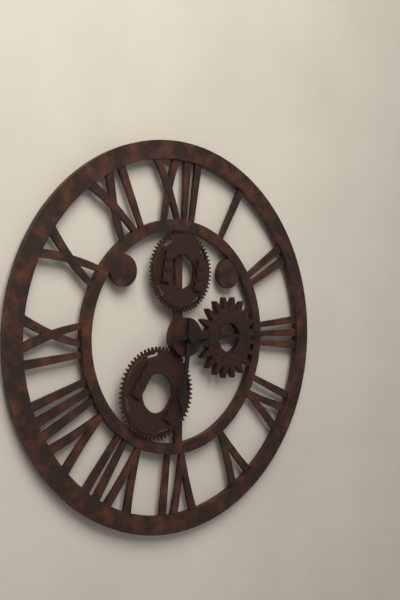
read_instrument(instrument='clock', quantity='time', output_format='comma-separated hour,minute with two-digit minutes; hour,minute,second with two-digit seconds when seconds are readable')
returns 6,15
